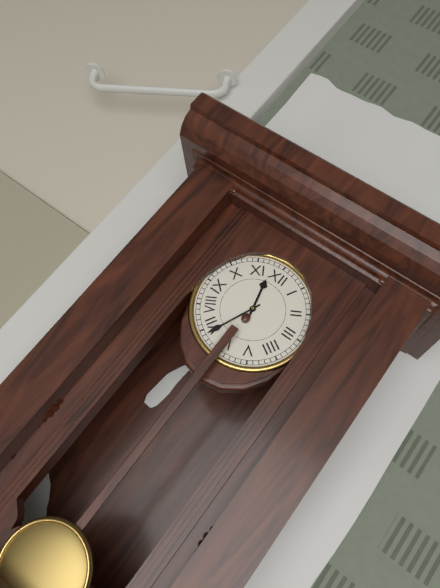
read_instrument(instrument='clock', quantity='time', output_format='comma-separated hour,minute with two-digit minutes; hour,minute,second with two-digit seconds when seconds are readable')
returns 11,34
